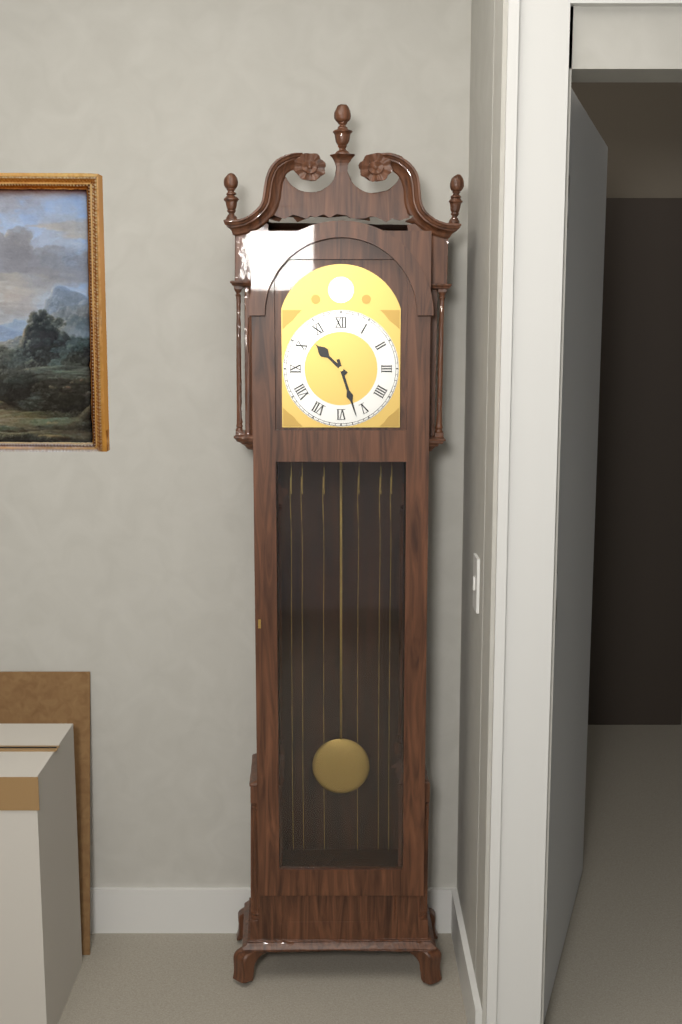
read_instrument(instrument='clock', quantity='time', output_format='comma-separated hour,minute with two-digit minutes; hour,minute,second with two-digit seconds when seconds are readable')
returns 10,27
